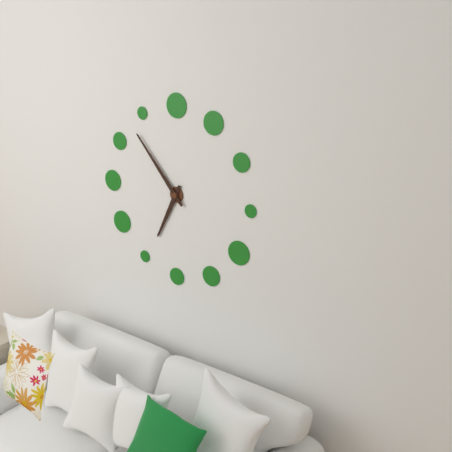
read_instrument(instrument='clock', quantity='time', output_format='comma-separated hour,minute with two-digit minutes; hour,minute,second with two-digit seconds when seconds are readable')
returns 6,53
